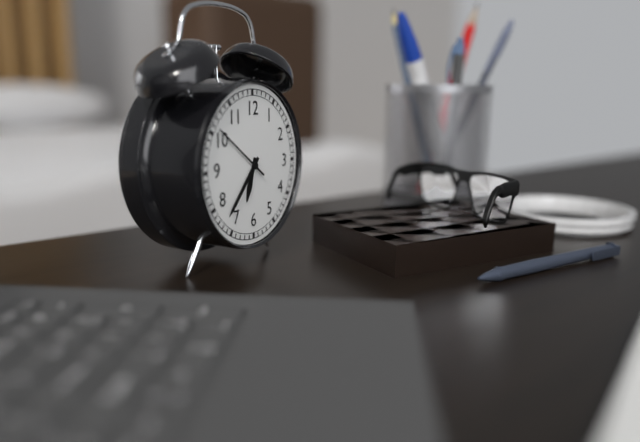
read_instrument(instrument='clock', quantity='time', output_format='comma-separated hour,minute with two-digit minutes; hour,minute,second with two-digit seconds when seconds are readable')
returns 6,37,51
